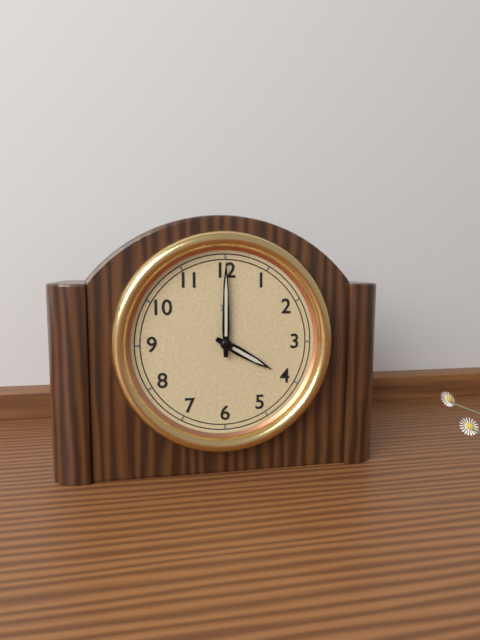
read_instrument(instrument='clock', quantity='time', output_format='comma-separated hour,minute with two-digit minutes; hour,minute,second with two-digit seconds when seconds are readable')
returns 4,00
